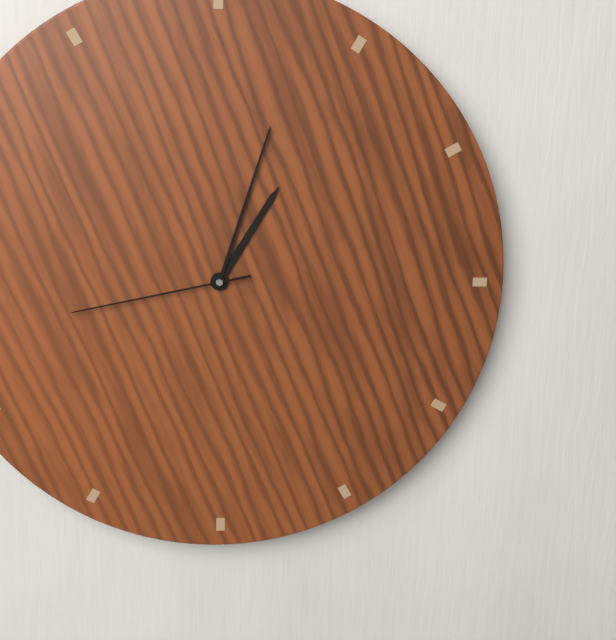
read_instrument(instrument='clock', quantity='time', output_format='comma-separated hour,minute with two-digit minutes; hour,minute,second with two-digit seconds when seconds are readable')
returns 1,03,43
